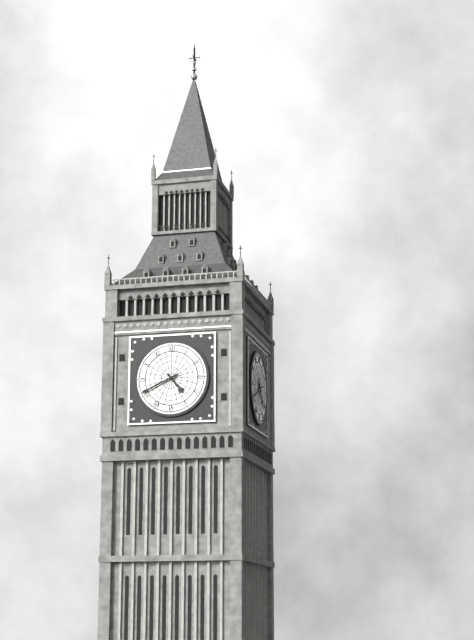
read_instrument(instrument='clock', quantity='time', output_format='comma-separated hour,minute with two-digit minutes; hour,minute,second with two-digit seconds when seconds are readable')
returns 4,41
